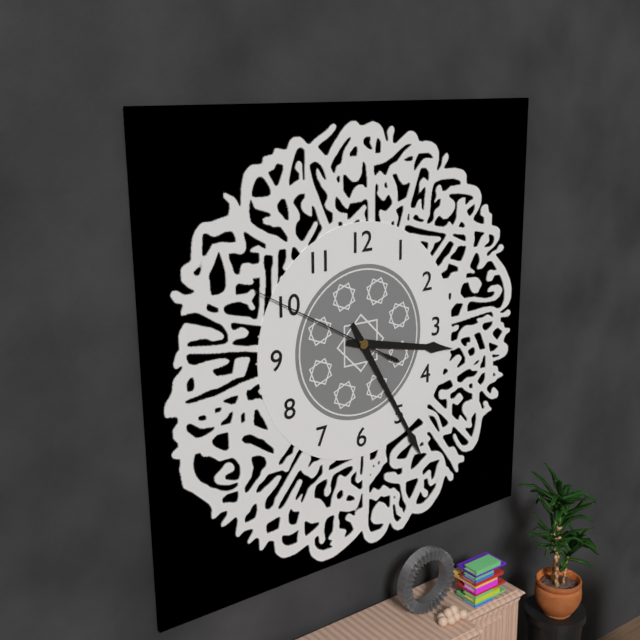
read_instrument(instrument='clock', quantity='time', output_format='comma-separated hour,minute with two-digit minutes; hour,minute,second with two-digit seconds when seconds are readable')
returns 3,25,50
